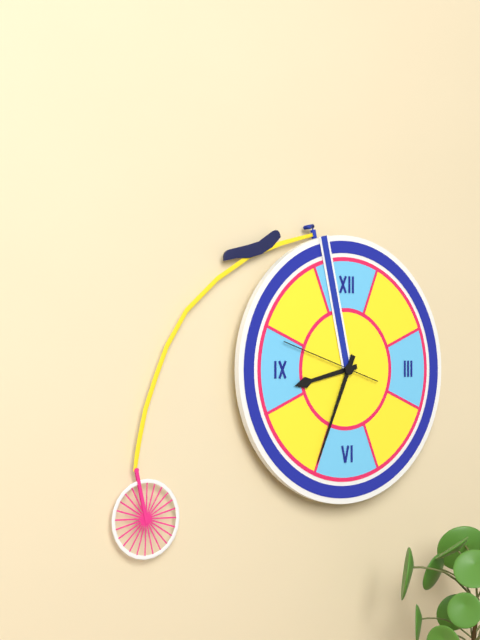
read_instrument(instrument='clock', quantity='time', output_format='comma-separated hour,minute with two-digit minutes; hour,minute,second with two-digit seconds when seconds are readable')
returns 8,34,48
